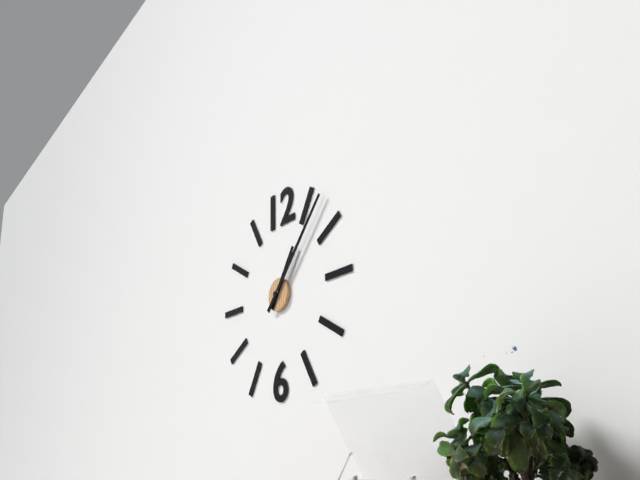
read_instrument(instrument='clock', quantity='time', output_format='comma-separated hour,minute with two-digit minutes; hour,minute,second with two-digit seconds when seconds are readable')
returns 1,07
